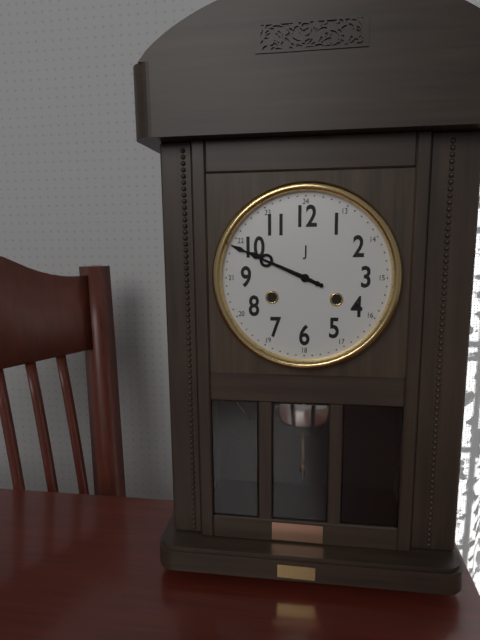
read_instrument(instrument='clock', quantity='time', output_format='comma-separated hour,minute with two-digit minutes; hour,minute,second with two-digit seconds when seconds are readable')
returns 9,49
